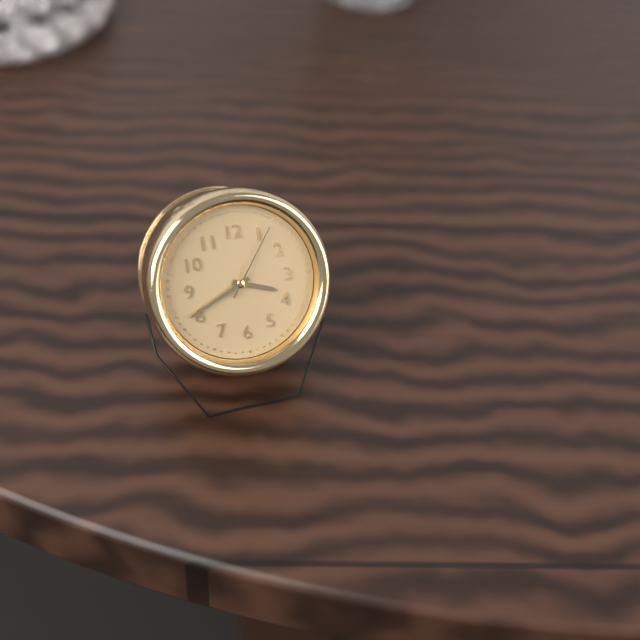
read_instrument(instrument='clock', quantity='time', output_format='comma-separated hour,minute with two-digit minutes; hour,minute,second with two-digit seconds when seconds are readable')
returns 3,41,06
